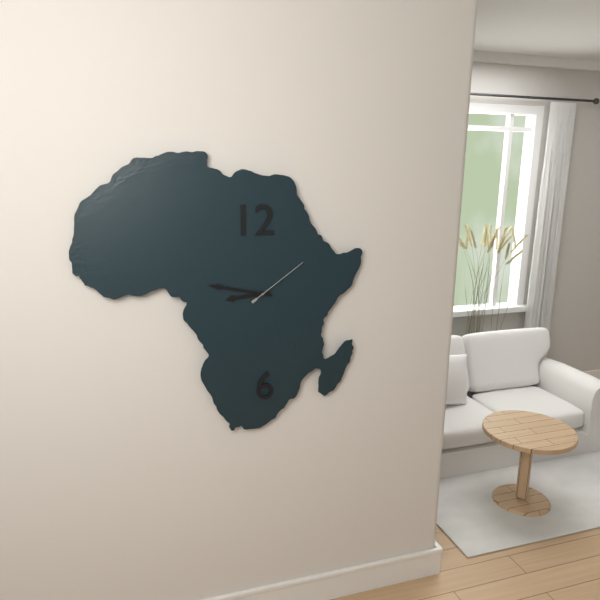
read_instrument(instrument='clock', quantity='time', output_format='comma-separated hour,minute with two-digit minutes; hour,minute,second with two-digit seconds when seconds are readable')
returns 8,47,09
